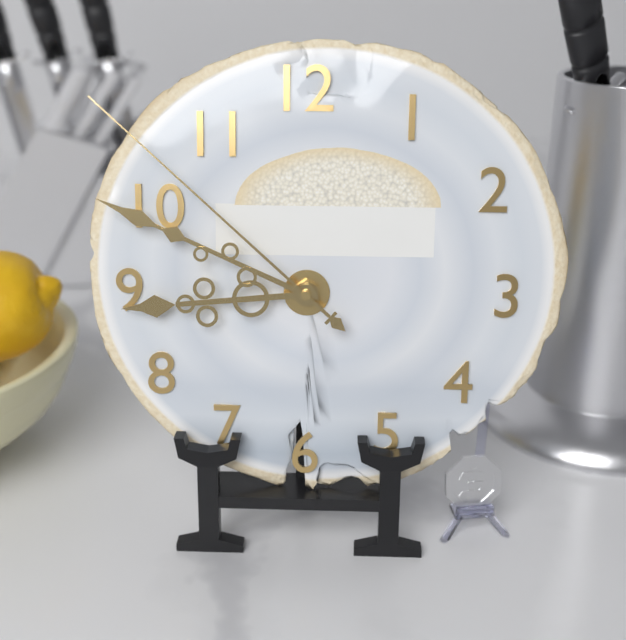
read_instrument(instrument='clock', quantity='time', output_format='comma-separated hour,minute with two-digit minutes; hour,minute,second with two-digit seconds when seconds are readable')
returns 8,49,52
